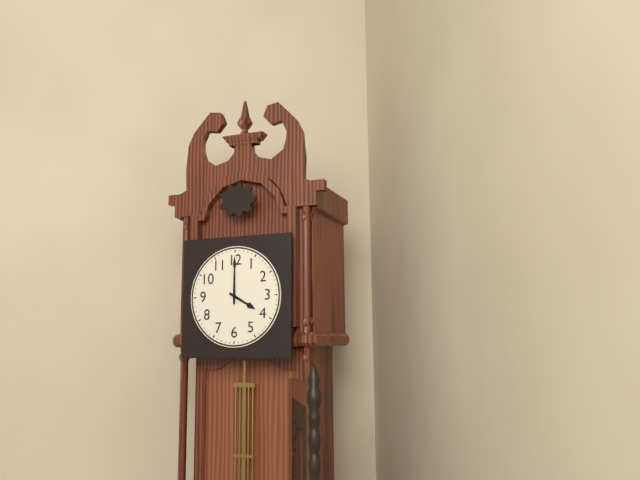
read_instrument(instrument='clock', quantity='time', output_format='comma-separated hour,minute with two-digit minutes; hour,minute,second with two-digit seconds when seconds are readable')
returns 4,00
